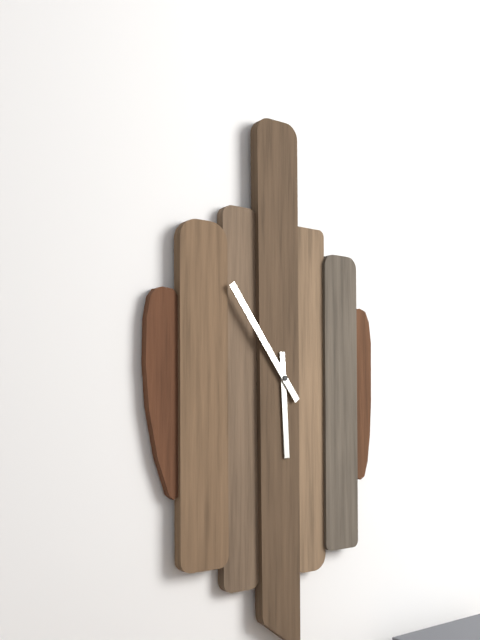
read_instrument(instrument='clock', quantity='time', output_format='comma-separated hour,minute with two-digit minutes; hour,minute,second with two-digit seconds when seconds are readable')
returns 5,54
